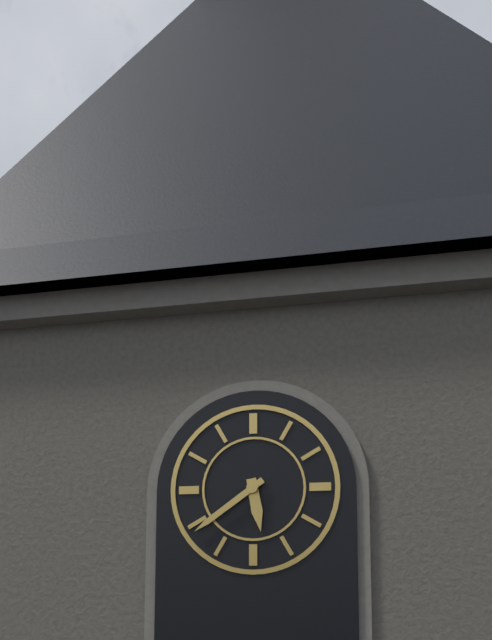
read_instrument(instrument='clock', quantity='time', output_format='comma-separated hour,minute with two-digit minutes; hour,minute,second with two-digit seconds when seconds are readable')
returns 5,39
